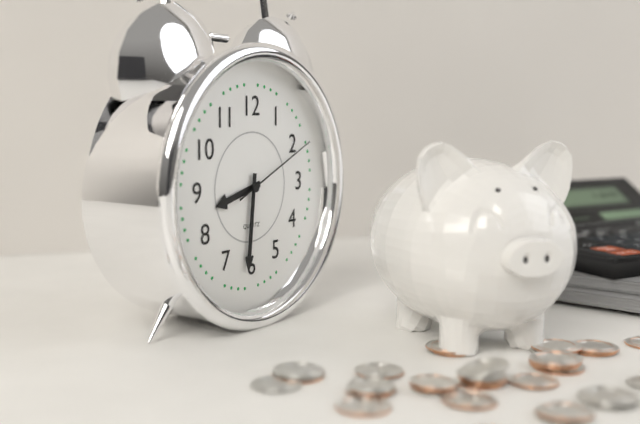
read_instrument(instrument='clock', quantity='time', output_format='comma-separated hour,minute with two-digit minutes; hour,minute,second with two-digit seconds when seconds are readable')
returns 8,31,11
